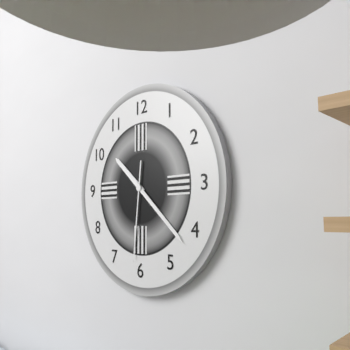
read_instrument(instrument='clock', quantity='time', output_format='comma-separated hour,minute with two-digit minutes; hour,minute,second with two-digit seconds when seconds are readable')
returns 10,22,31
